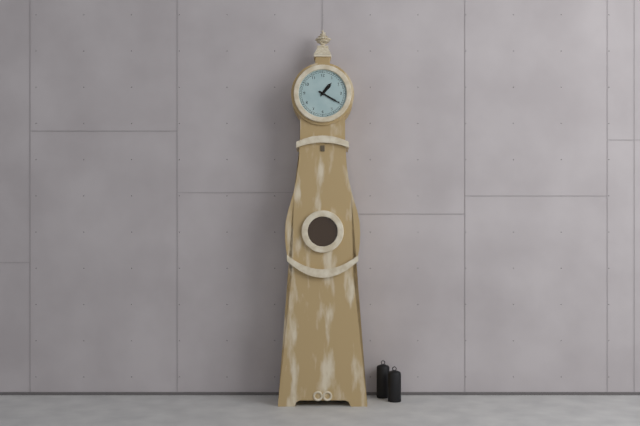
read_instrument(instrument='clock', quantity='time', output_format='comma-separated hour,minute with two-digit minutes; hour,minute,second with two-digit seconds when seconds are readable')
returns 1,20
